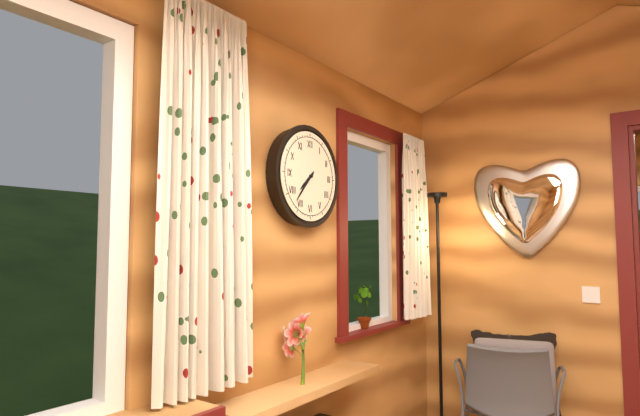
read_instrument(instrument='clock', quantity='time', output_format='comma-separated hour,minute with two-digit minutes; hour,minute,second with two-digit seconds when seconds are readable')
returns 7,37
